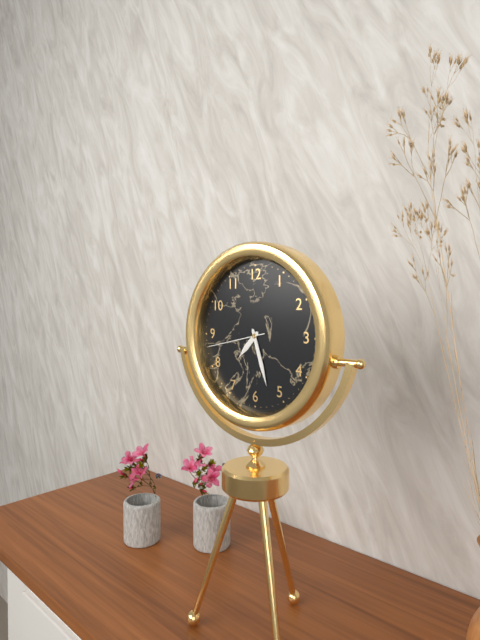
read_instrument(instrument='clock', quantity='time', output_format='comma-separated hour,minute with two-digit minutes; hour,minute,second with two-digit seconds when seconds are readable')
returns 7,27,43
